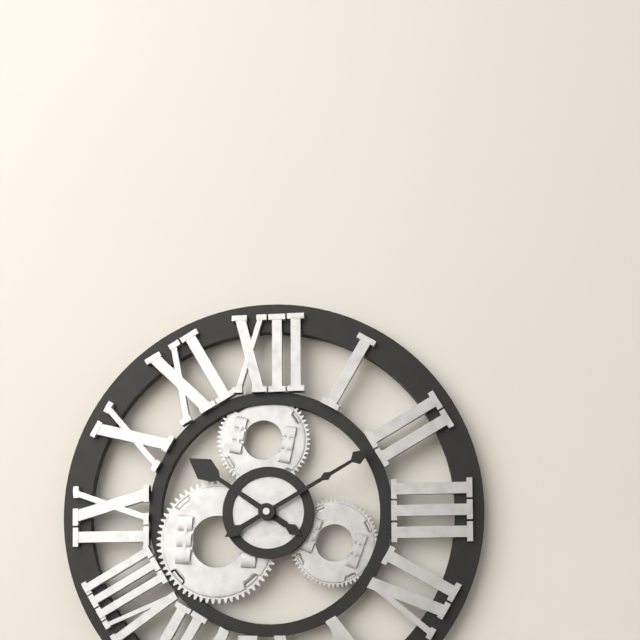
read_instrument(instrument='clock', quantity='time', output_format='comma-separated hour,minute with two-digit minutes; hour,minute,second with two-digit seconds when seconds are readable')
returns 10,10
